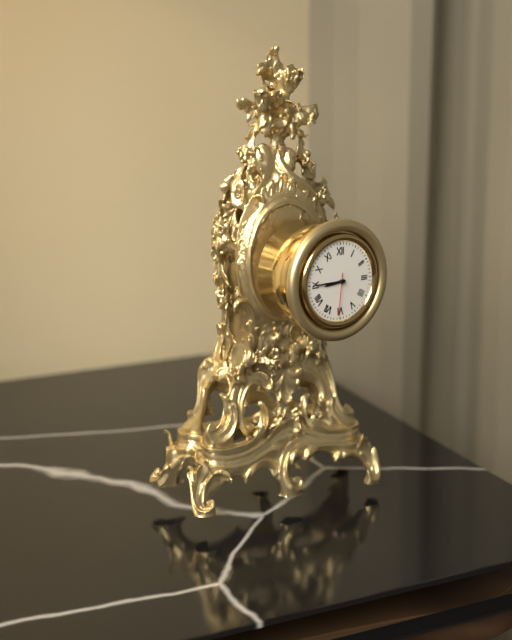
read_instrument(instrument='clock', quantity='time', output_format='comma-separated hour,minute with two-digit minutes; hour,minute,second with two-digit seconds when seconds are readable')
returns 8,45
